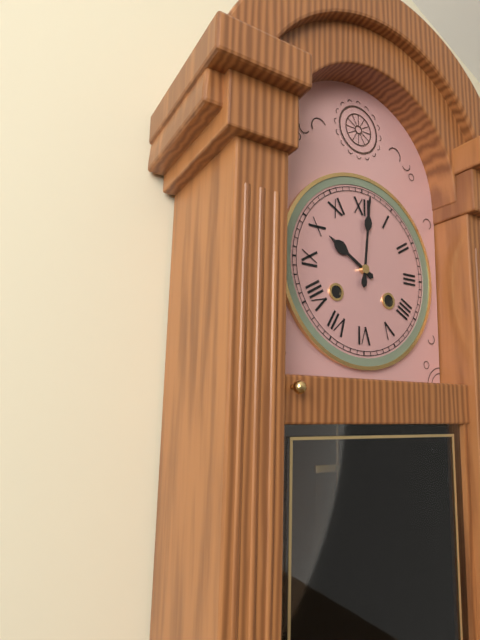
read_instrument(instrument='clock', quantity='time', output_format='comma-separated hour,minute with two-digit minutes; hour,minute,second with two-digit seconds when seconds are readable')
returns 10,01
